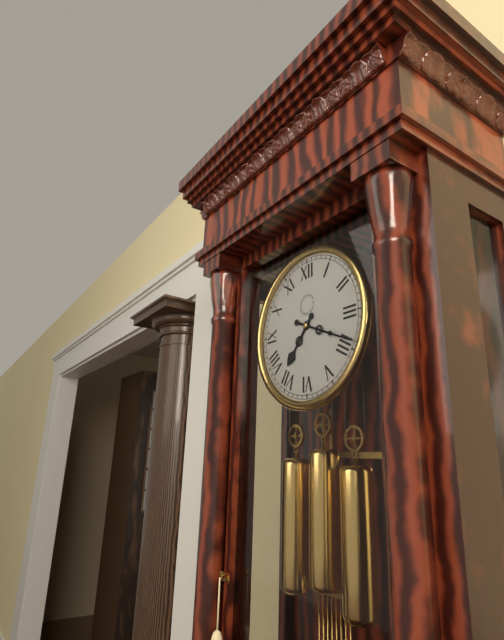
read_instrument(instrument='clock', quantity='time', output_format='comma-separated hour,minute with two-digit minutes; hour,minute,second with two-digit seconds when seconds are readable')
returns 7,19
